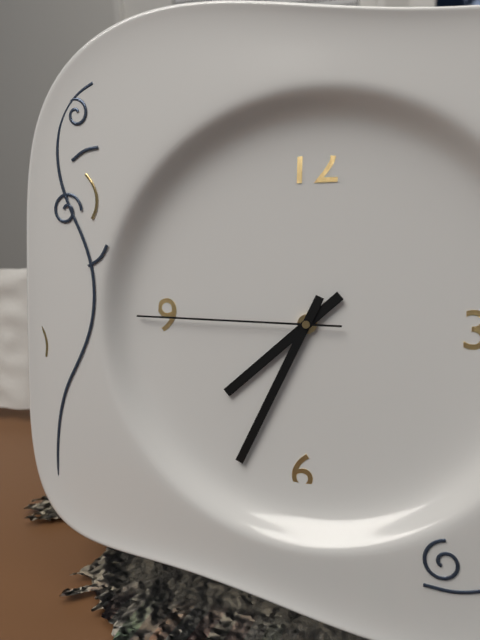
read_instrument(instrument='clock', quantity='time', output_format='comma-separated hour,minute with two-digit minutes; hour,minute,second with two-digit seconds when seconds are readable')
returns 7,34,45
